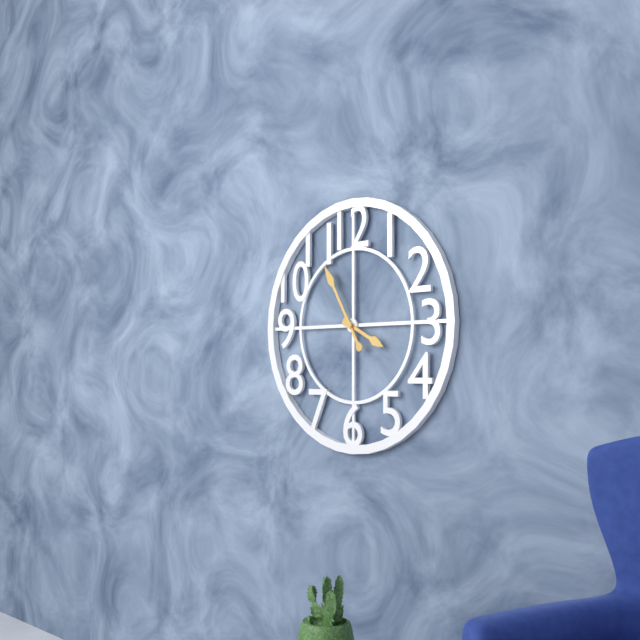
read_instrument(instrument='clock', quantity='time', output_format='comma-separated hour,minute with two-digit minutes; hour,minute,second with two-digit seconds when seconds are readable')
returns 3,55
